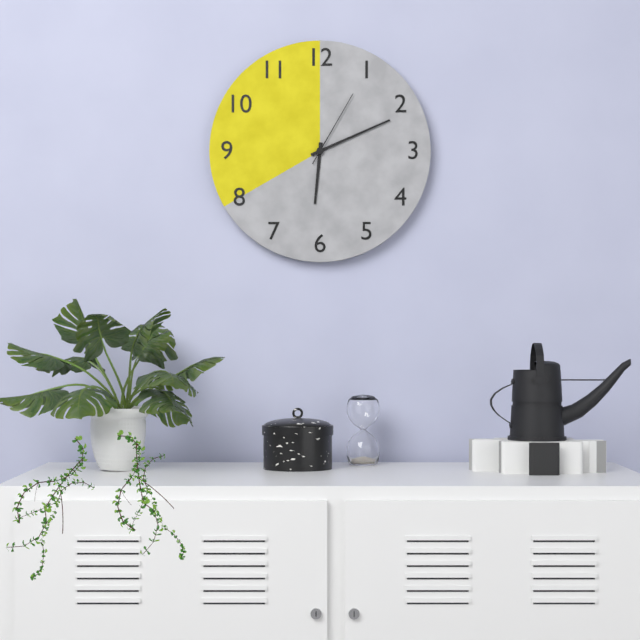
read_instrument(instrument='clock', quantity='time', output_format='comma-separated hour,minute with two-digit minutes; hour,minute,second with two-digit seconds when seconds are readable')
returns 6,11,05
